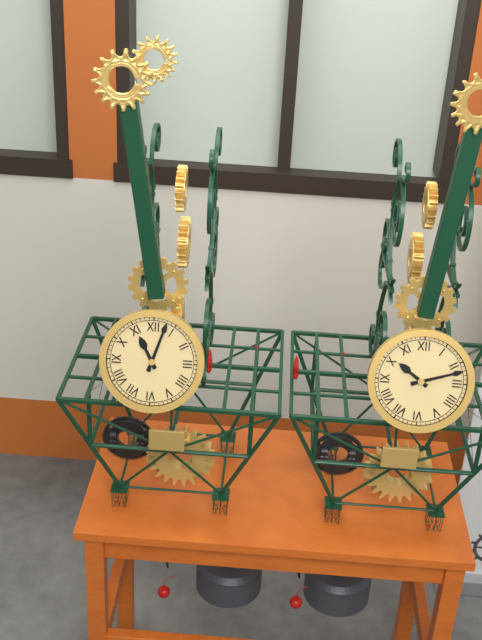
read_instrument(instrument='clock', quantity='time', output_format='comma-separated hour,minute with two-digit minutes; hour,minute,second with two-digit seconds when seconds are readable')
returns 11,03
